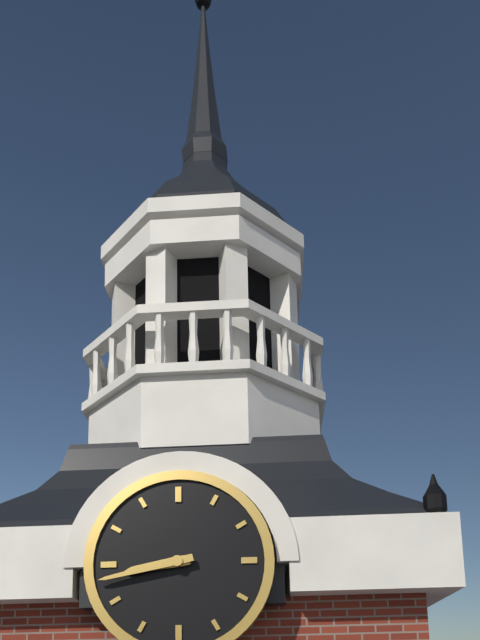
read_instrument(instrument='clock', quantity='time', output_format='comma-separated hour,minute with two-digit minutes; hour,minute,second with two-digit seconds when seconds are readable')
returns 8,43
